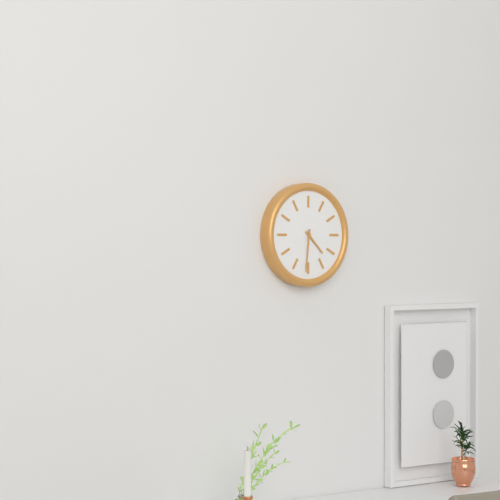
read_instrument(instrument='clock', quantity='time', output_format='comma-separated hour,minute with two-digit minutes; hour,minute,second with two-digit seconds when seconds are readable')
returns 4,31
